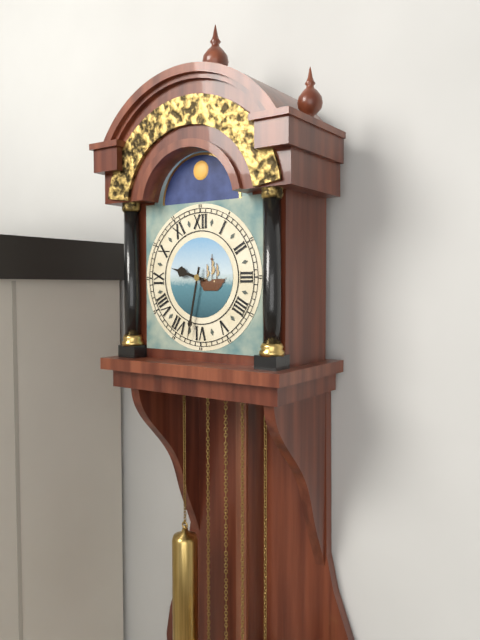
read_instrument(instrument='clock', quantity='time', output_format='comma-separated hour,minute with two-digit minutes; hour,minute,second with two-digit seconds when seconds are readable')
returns 9,32
